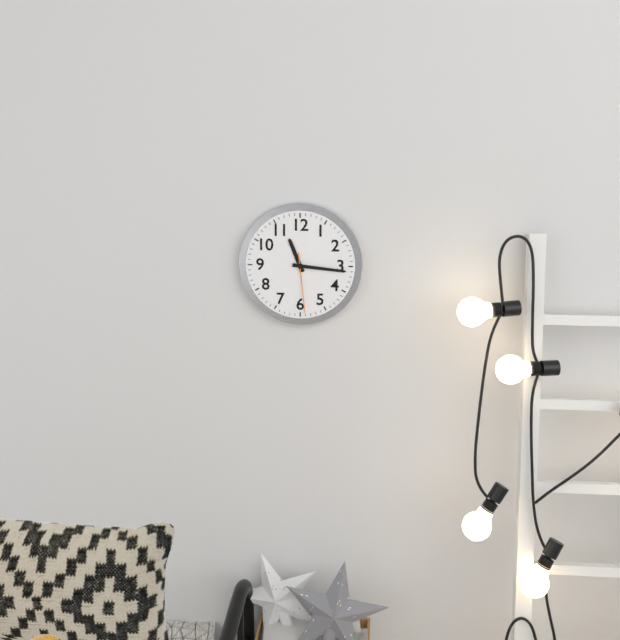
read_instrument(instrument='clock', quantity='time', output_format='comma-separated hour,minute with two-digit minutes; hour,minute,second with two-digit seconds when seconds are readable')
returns 11,16,29
